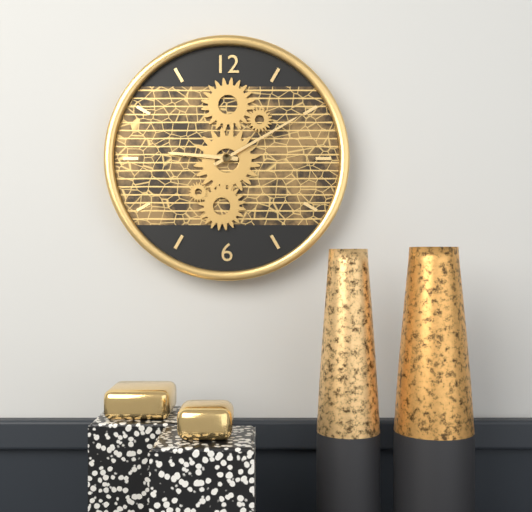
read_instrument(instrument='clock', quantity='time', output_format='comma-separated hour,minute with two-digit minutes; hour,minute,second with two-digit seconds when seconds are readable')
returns 9,10
